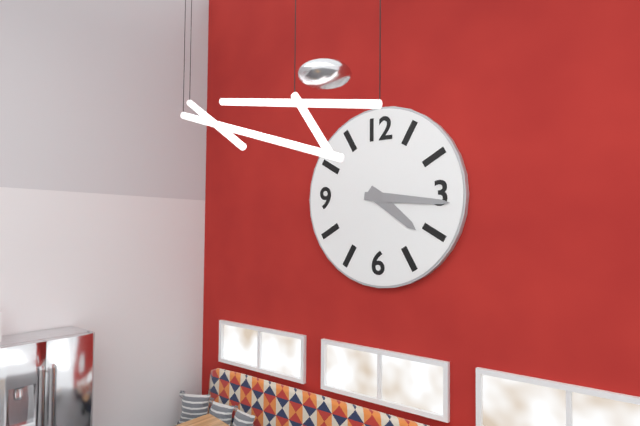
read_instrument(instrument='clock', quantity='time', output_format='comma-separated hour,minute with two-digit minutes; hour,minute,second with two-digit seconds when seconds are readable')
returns 4,16
